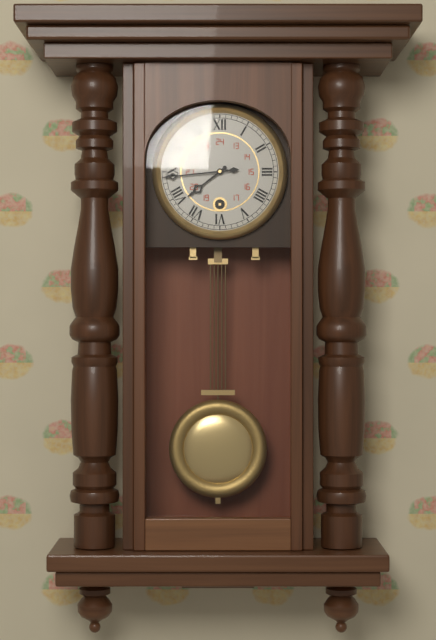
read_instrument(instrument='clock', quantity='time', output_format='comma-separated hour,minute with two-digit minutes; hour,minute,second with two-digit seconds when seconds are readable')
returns 7,44
